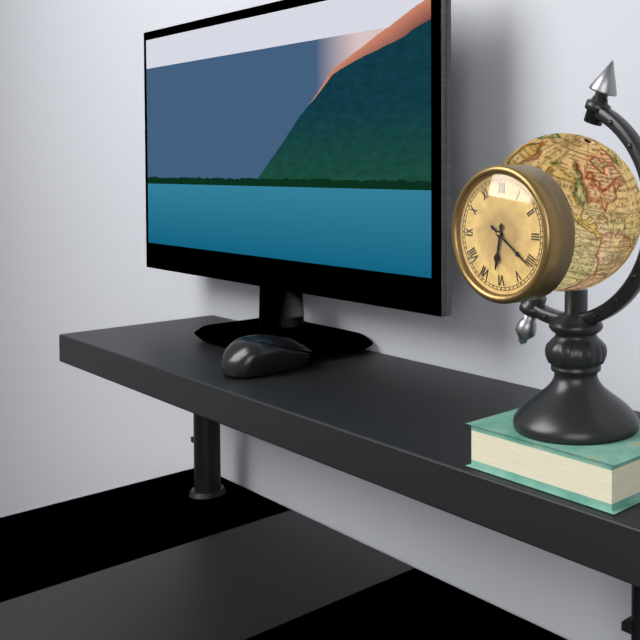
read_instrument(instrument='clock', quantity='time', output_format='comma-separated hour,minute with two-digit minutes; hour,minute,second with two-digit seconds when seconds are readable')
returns 6,21
